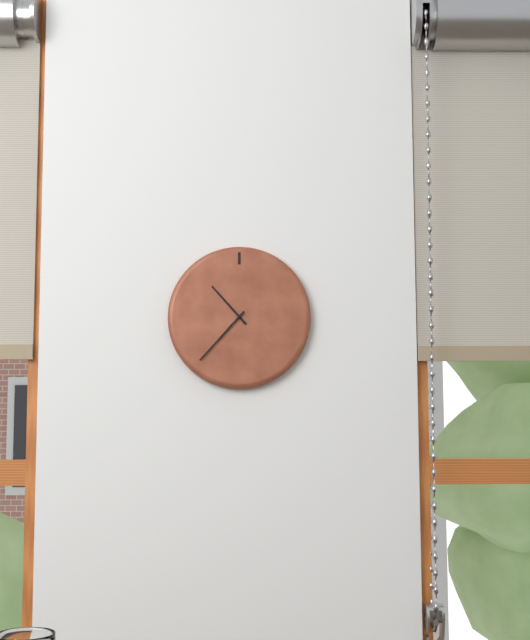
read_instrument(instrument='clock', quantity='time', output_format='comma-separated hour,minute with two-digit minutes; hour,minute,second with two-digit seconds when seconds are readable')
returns 10,37
